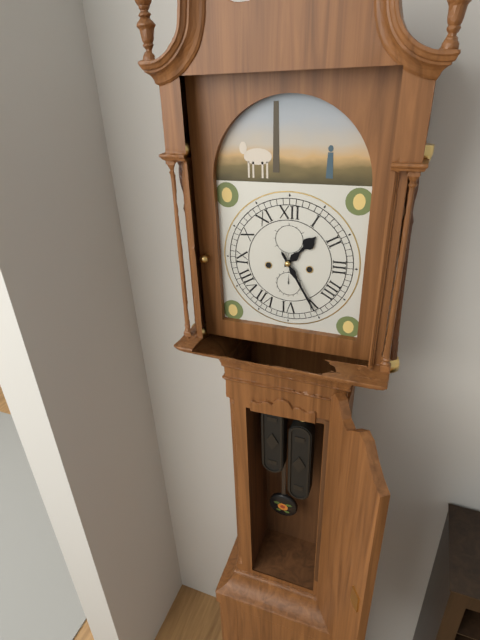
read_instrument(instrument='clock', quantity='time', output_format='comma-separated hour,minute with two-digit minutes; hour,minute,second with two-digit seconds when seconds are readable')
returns 1,25
